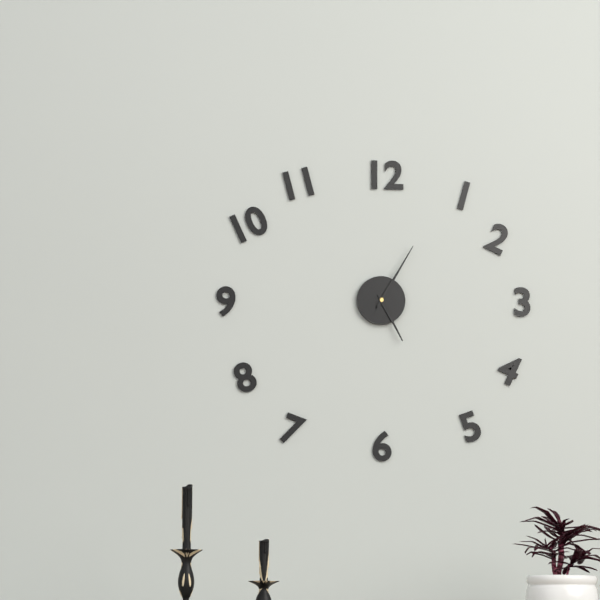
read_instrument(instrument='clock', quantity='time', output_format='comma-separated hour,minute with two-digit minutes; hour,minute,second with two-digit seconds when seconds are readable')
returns 5,05
